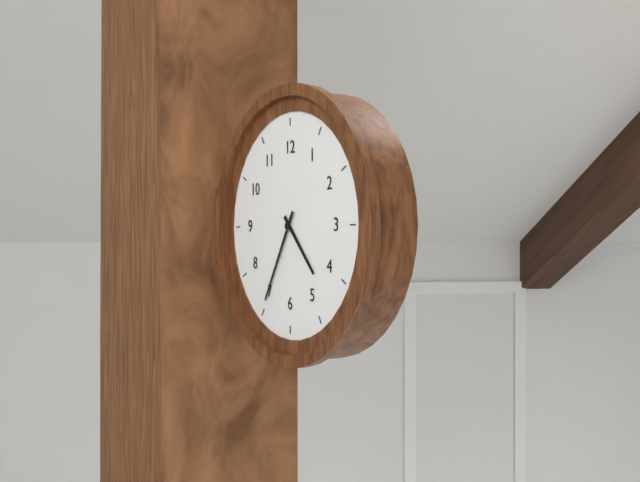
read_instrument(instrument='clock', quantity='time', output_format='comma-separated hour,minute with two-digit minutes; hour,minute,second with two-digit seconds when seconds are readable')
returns 4,35
